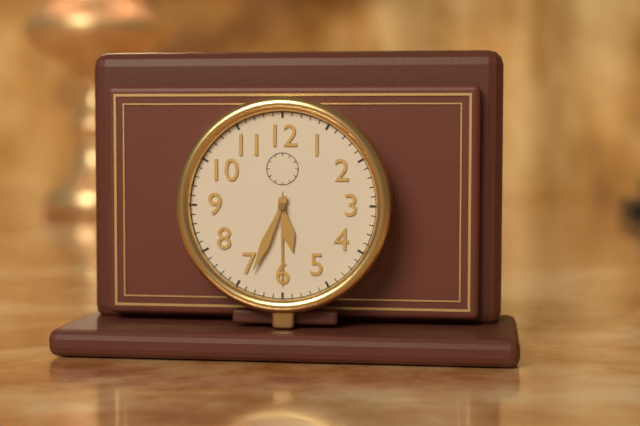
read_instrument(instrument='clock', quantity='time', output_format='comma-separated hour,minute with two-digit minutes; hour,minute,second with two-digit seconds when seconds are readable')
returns 5,34
